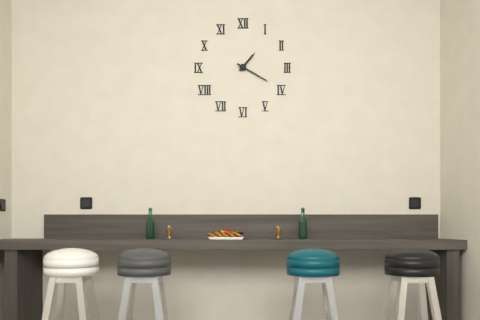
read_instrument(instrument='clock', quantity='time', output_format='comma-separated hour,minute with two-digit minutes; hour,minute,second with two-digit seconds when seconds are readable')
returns 1,20
